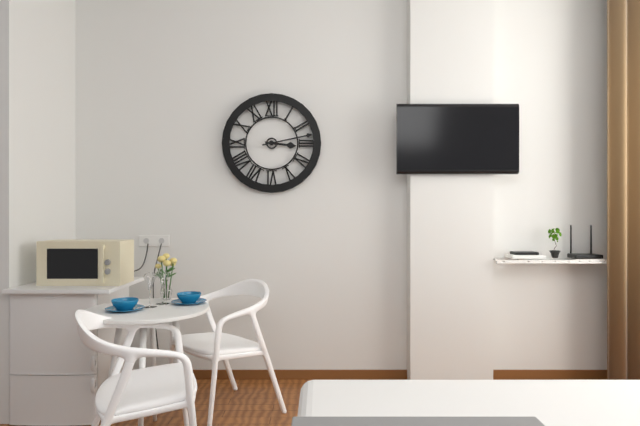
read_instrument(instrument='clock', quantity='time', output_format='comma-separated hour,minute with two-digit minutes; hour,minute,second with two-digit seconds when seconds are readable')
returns 3,13
